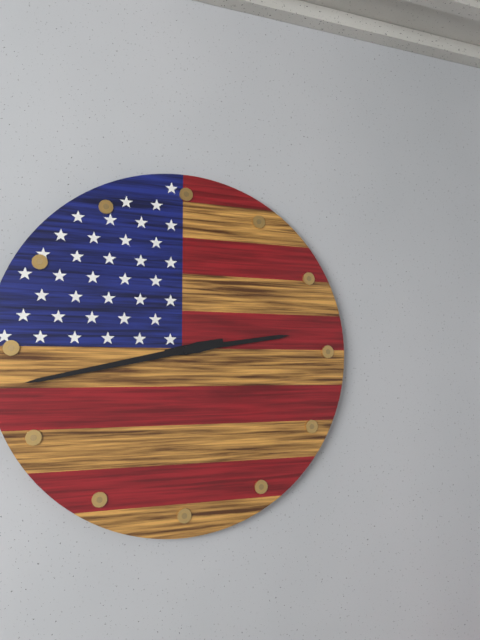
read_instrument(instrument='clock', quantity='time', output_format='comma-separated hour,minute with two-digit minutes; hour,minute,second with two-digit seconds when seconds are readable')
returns 2,43
